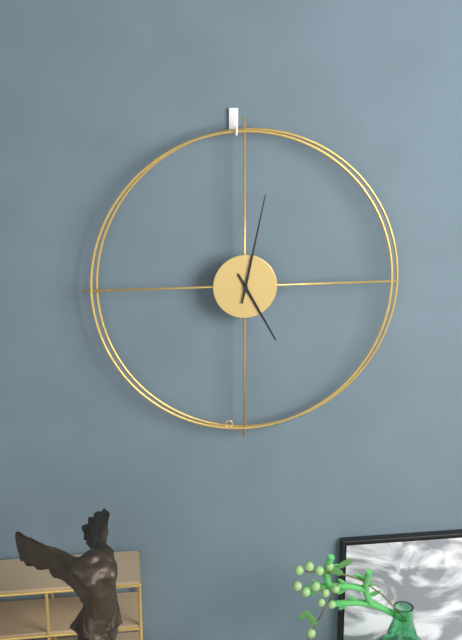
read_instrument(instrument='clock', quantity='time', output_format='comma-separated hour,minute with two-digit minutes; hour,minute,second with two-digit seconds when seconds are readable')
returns 5,02
